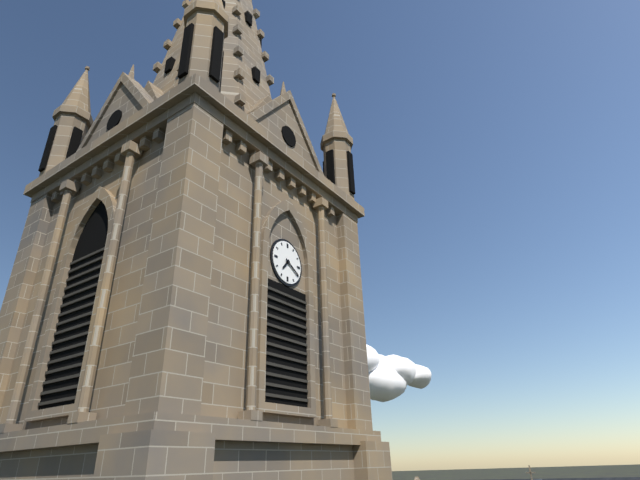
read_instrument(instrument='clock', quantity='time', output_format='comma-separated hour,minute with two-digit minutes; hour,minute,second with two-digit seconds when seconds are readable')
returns 7,20
